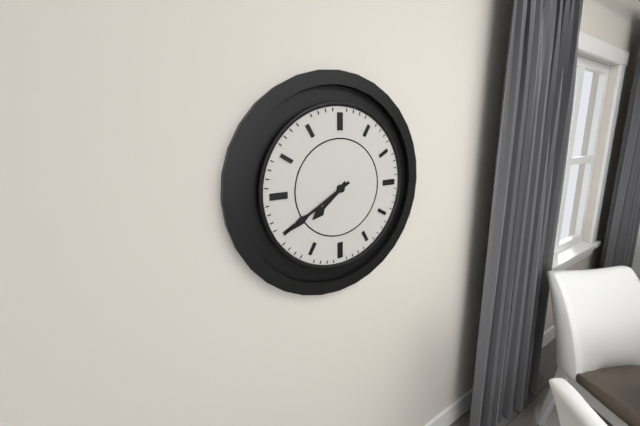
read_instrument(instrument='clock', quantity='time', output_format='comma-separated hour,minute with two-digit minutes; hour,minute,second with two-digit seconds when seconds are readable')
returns 7,40
